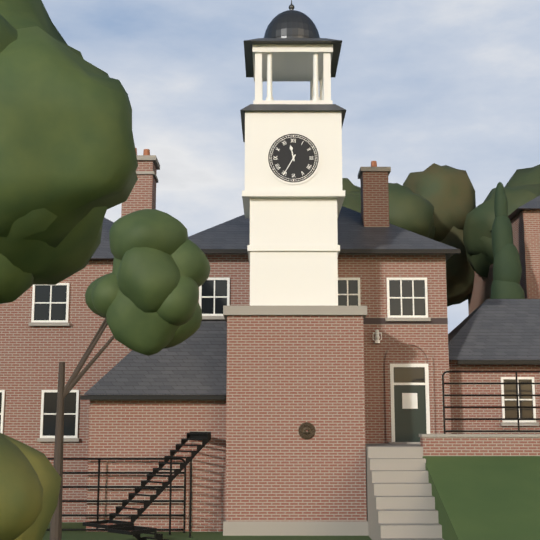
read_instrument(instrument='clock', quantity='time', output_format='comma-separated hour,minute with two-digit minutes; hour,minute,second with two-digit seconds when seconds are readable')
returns 11,35
